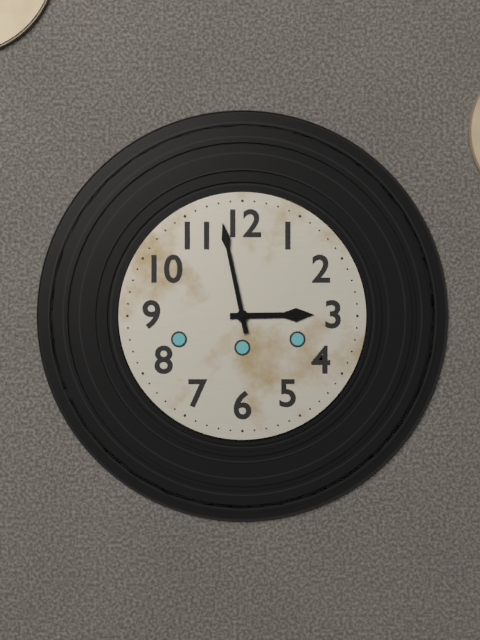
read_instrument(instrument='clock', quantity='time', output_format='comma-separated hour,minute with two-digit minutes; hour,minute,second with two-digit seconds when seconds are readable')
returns 2,58
